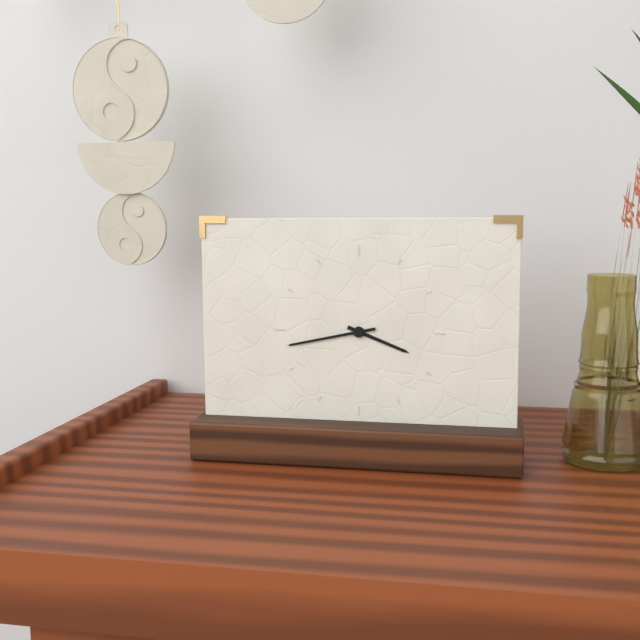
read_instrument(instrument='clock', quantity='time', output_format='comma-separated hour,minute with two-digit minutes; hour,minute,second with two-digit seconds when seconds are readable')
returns 3,43
